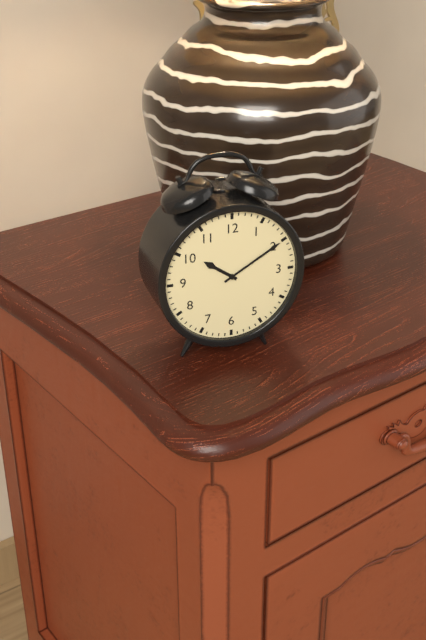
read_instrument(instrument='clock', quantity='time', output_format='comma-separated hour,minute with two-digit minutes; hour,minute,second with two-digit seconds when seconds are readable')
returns 10,10
